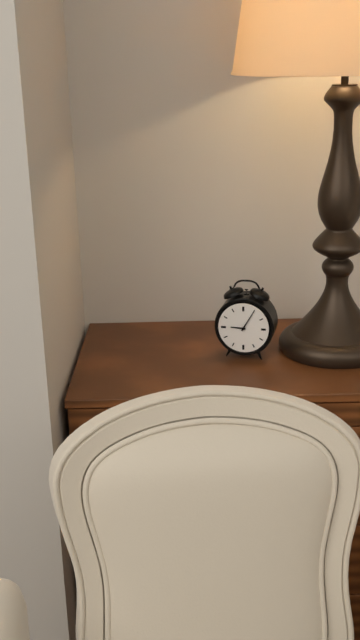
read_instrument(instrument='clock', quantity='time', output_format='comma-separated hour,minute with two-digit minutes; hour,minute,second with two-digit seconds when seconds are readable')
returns 9,05
